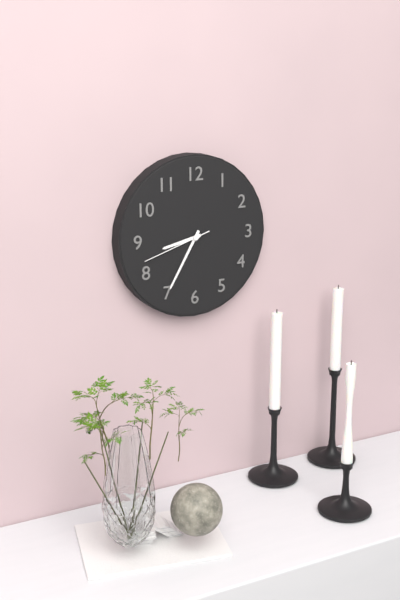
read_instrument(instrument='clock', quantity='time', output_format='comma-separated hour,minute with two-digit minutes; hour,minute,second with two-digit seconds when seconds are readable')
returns 8,35,42
